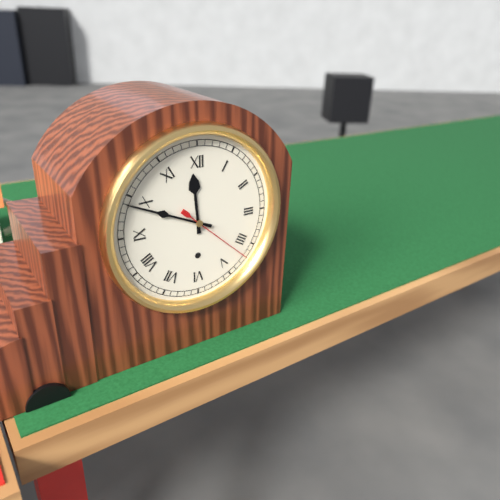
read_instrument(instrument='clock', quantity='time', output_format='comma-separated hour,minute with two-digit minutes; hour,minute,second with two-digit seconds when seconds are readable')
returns 11,49,22
